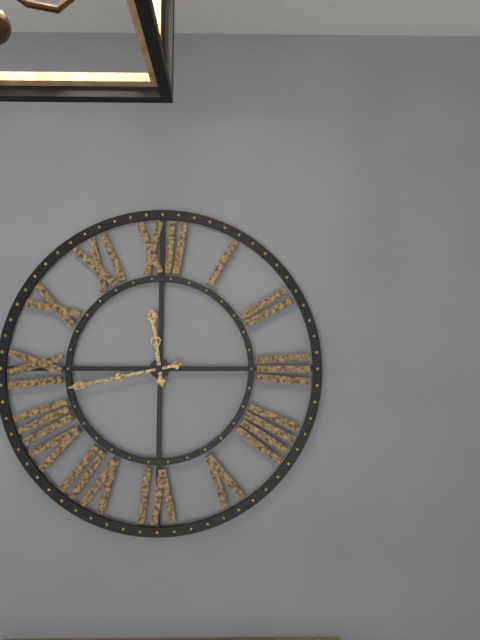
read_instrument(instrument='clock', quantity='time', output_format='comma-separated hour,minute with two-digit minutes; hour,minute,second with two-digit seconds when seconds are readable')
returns 11,43
